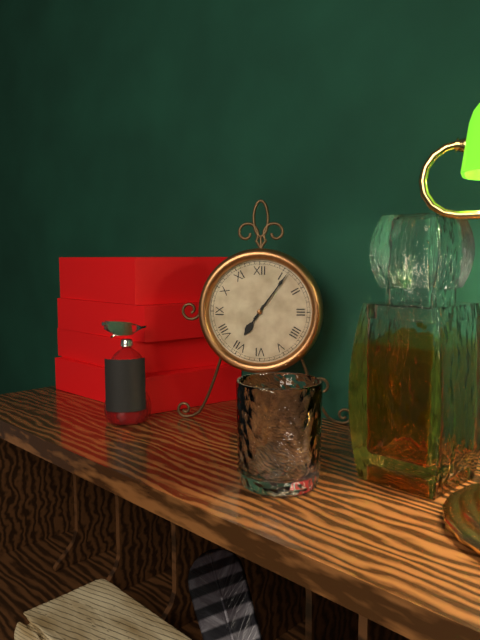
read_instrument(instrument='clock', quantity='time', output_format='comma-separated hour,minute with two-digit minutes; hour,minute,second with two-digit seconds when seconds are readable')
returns 7,06
